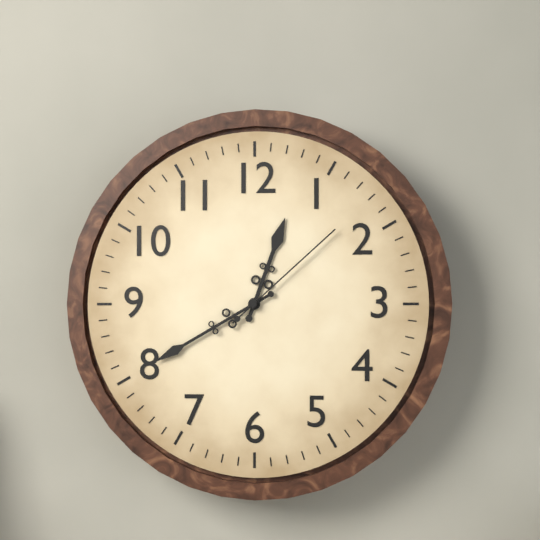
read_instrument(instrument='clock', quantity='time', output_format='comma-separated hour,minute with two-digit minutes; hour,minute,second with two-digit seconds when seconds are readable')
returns 12,40,08
